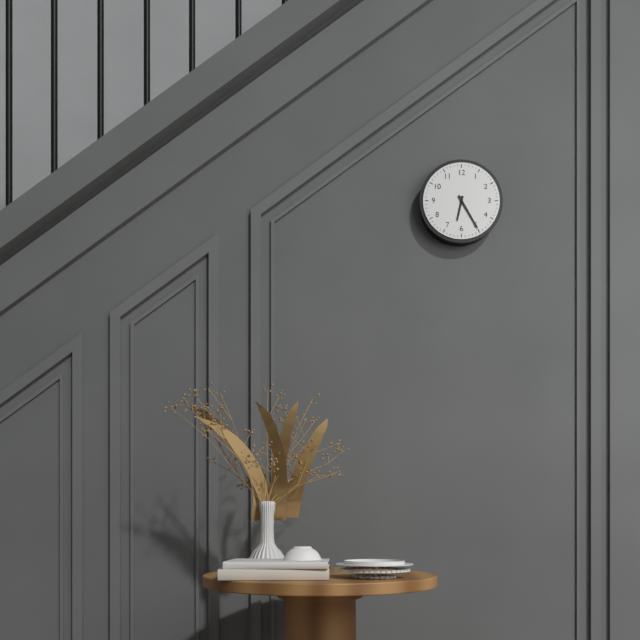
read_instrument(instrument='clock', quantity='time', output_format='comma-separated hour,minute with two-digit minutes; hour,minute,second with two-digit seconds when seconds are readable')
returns 6,25
